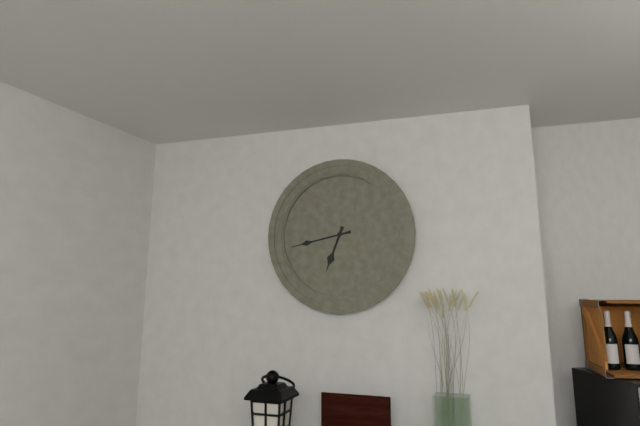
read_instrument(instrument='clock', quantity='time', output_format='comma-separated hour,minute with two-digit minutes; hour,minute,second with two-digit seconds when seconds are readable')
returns 6,43
